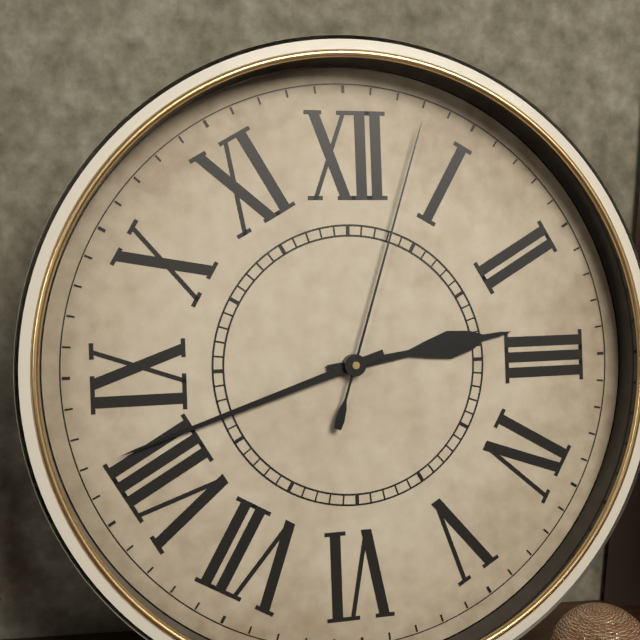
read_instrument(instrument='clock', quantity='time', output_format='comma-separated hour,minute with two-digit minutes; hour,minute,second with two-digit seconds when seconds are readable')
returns 2,42,03
